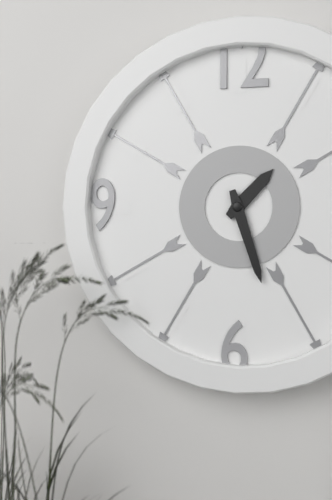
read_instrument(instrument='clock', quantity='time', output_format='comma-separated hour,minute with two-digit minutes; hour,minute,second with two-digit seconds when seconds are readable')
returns 1,27
